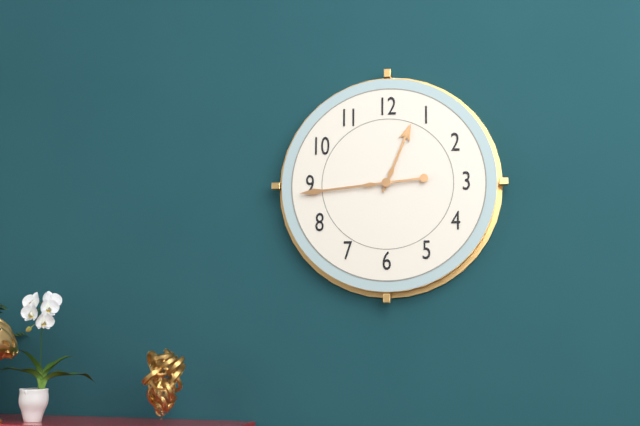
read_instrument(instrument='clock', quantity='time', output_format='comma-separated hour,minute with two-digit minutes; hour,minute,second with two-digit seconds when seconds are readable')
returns 12,44
